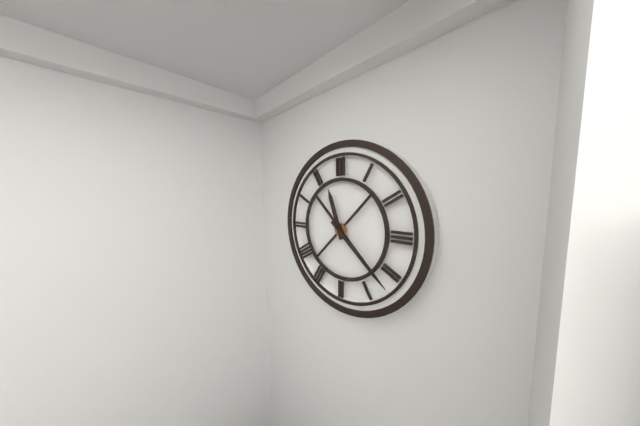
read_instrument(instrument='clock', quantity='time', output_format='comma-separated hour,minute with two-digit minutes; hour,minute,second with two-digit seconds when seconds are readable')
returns 11,22
